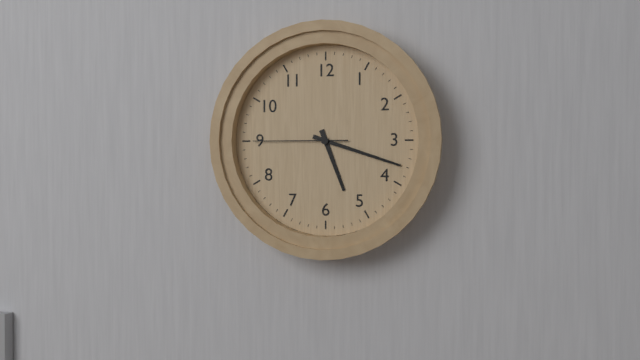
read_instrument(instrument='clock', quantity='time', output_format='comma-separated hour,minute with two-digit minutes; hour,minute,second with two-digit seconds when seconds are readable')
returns 5,18,45
